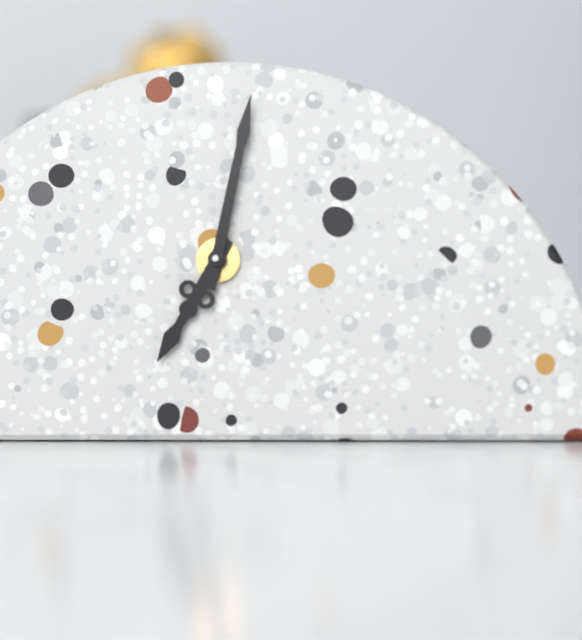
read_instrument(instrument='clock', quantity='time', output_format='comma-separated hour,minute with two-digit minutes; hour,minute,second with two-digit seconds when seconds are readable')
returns 7,02
